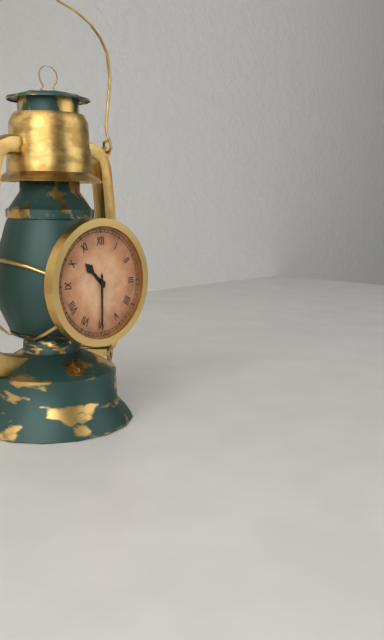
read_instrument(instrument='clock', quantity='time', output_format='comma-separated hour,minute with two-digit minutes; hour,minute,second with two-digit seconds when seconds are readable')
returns 10,30
